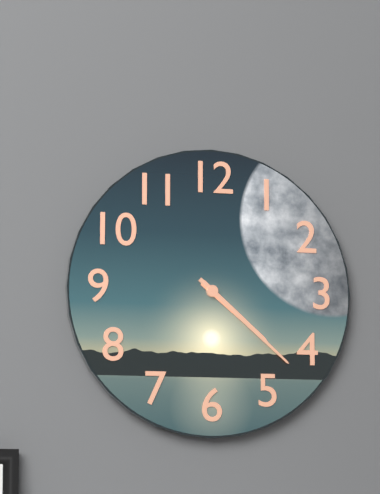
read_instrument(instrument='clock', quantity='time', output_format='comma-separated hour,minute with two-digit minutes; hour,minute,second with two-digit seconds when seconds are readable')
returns 4,22
